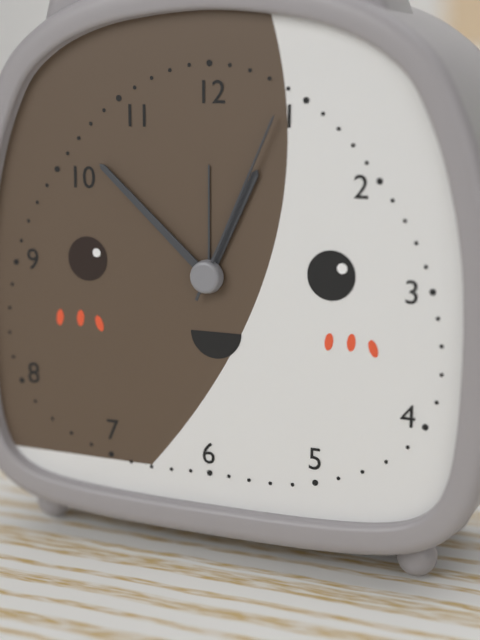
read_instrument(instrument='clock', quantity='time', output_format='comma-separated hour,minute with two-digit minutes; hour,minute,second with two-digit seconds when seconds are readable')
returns 12,52,04
